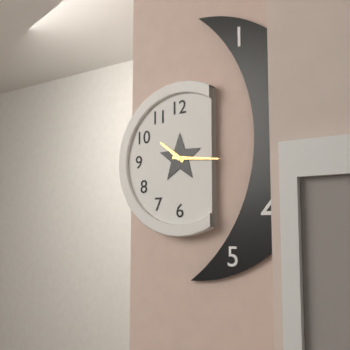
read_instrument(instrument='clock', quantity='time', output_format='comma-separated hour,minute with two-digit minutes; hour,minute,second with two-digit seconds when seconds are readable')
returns 10,16
